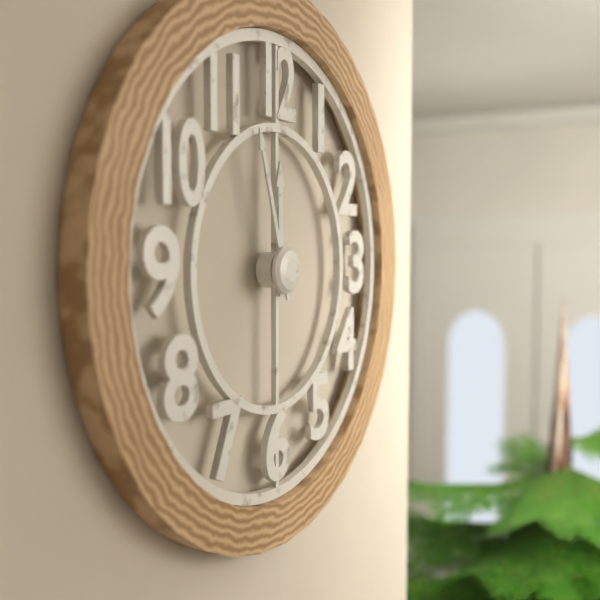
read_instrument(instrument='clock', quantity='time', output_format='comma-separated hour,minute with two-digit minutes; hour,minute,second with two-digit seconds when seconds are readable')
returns 11,57
